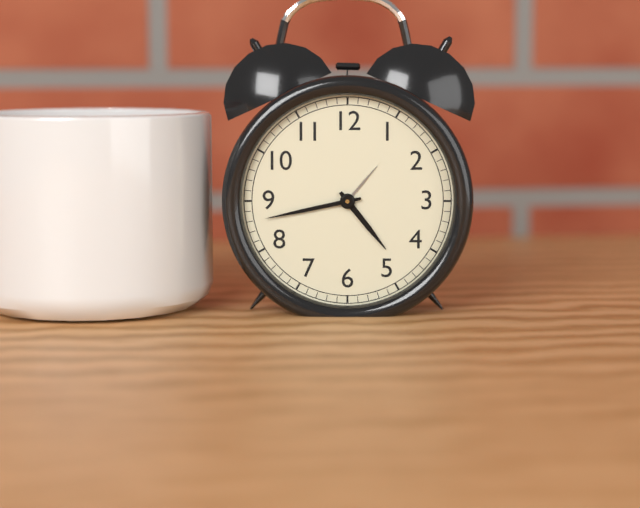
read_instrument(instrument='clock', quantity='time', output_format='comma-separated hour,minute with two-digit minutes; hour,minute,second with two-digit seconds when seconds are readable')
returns 4,43
